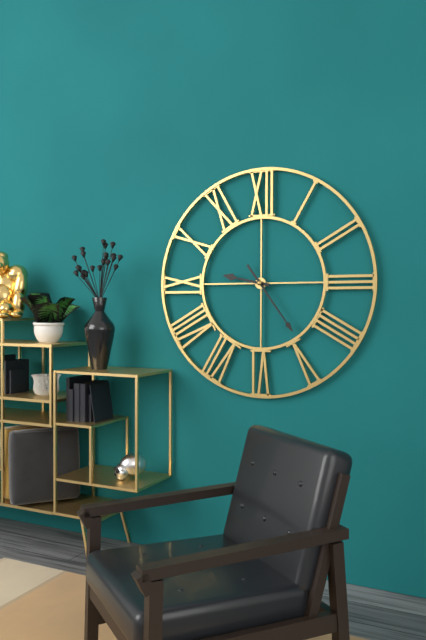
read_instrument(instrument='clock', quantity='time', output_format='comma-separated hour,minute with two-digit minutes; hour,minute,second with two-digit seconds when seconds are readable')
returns 9,24
